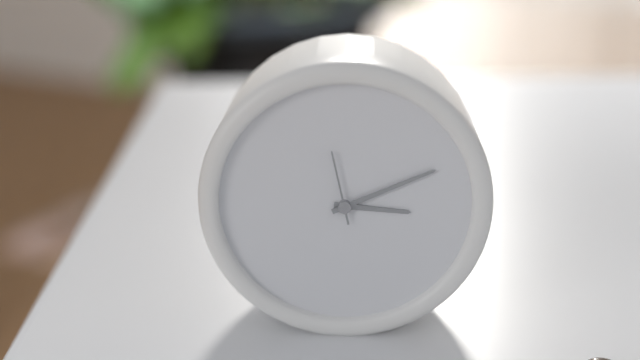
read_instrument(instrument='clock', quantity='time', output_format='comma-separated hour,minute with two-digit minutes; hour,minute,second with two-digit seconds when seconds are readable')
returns 3,11,58
